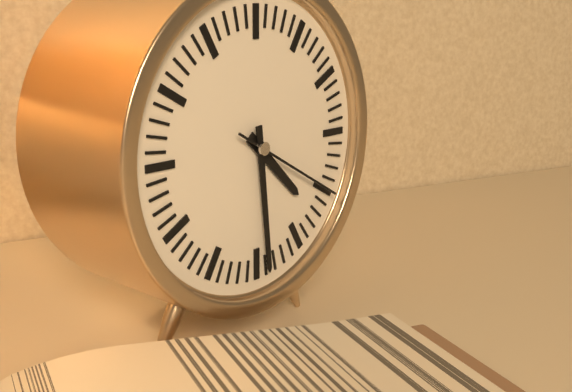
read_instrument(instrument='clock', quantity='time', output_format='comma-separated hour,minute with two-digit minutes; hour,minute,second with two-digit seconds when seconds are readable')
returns 4,29,20
